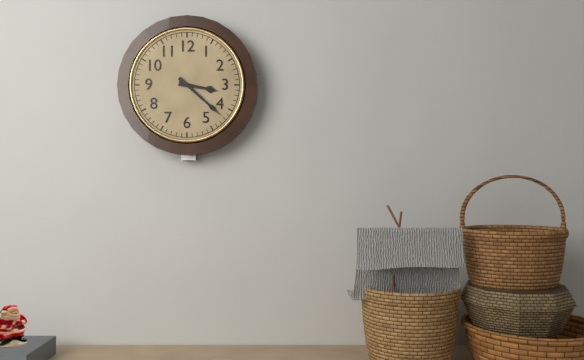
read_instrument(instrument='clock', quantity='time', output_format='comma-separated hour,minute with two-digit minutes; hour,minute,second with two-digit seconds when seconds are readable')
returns 3,22
